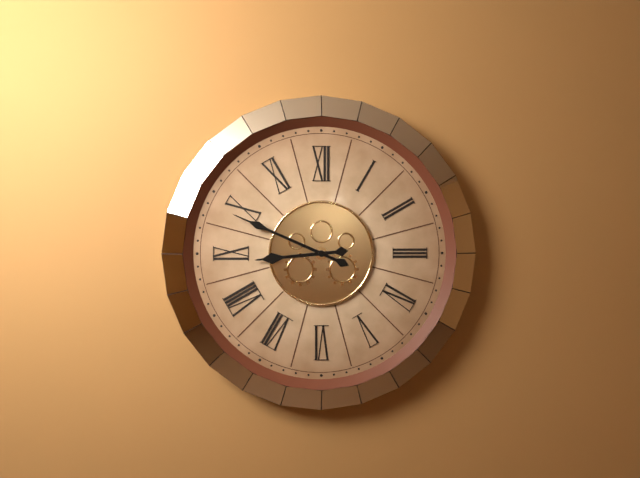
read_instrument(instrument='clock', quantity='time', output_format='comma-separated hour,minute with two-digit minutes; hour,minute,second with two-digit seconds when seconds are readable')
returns 8,49
